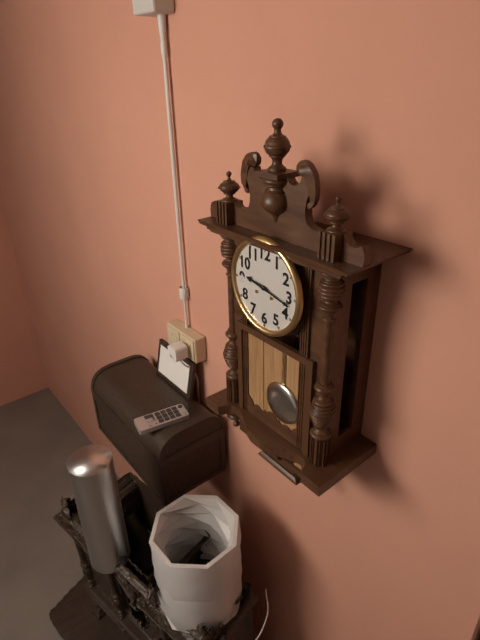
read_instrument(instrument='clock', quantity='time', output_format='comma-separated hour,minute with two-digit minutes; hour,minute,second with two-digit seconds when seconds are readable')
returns 9,17
